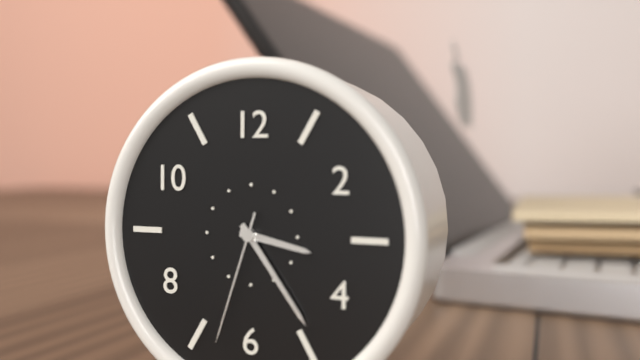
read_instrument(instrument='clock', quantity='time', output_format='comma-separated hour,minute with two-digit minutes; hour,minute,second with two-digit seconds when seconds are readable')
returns 3,24,33
